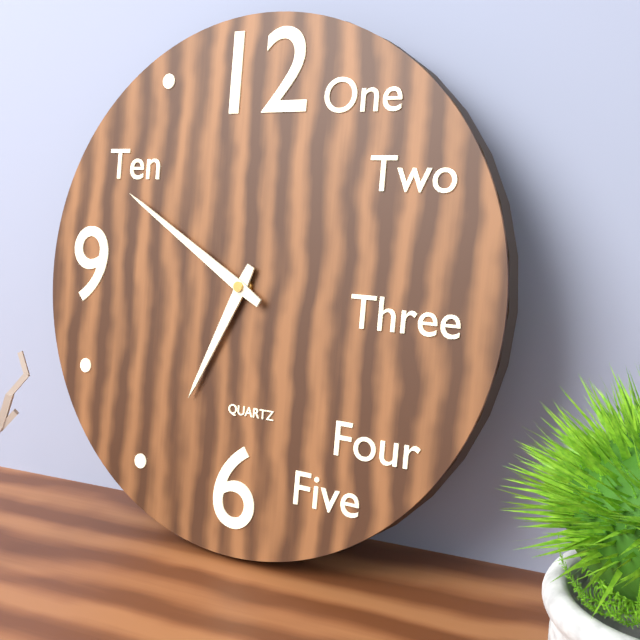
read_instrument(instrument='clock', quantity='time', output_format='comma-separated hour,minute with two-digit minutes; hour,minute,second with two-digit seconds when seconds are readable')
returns 6,50
